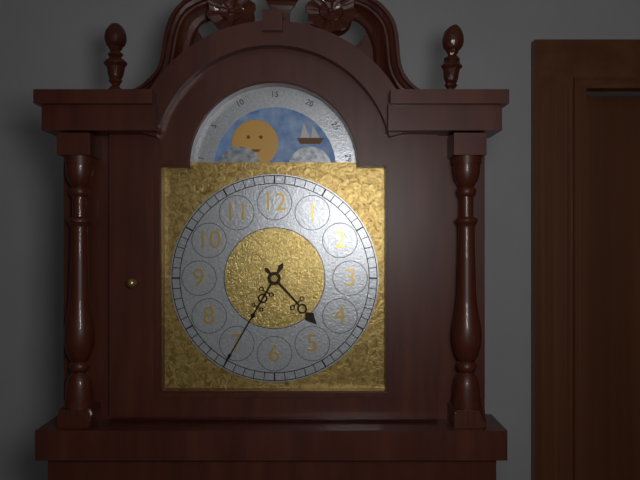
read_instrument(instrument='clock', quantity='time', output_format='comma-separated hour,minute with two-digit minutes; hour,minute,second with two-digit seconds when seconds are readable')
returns 4,35
